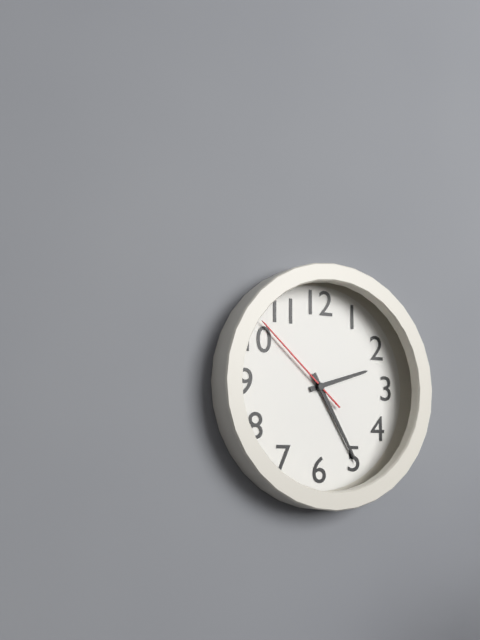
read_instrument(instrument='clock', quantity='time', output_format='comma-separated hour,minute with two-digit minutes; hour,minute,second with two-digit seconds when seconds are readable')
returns 2,25,52
